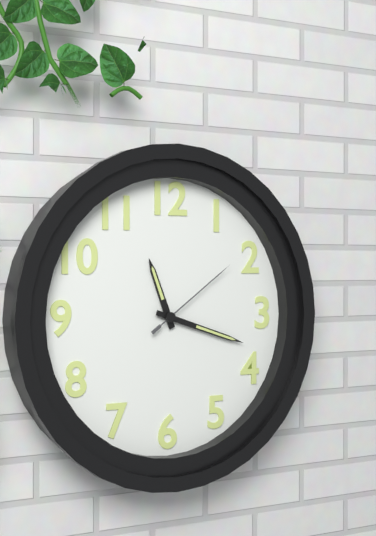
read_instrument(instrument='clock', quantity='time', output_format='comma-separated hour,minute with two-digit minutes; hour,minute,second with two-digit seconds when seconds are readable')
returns 11,18,09
